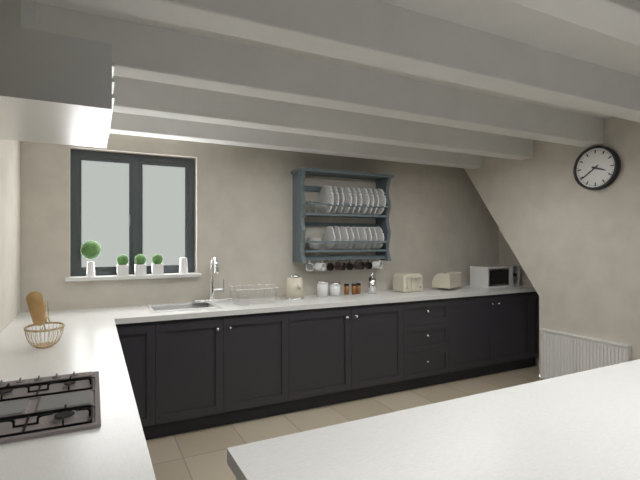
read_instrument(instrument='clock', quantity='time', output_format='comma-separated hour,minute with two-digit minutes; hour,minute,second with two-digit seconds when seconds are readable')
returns 3,39
